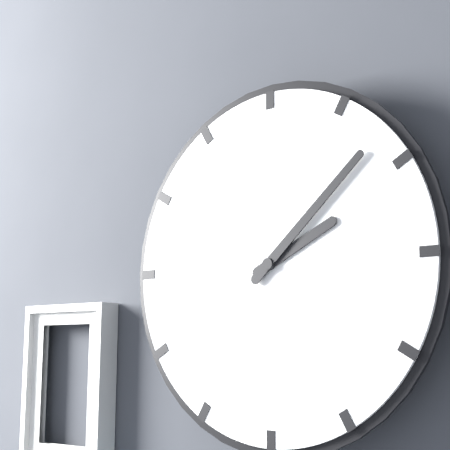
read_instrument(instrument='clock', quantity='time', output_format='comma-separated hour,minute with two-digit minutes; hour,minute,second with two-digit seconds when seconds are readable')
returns 2,08
